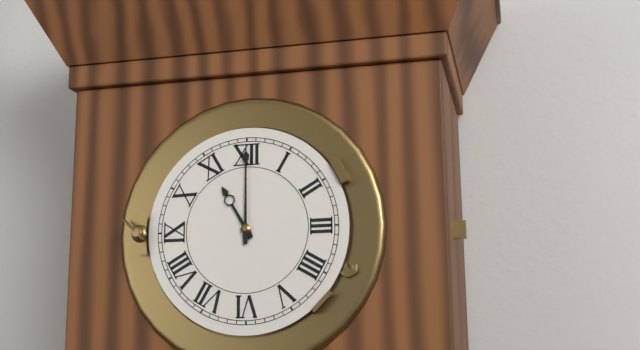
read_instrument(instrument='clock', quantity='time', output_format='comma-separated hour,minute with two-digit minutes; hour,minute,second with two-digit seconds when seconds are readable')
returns 11,00
